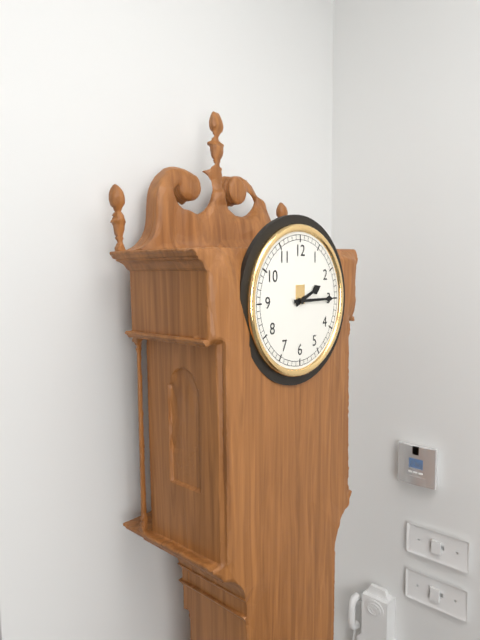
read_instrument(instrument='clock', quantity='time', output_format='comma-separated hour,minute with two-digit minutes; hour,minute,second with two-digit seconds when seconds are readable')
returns 2,15
